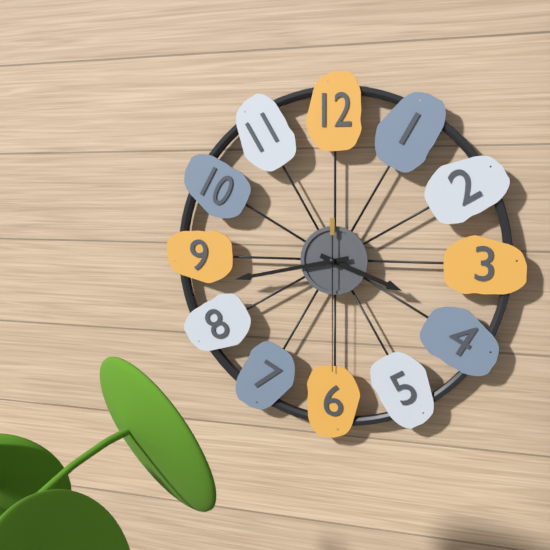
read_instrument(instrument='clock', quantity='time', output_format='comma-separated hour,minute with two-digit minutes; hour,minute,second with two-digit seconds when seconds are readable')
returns 3,43,30
